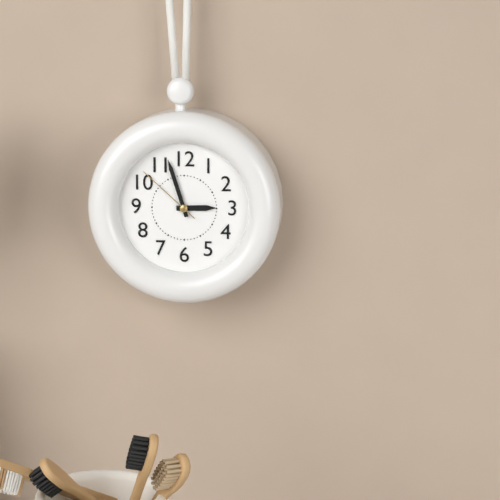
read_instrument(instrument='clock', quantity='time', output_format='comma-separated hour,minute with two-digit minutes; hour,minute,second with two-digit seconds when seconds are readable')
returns 2,57,52
